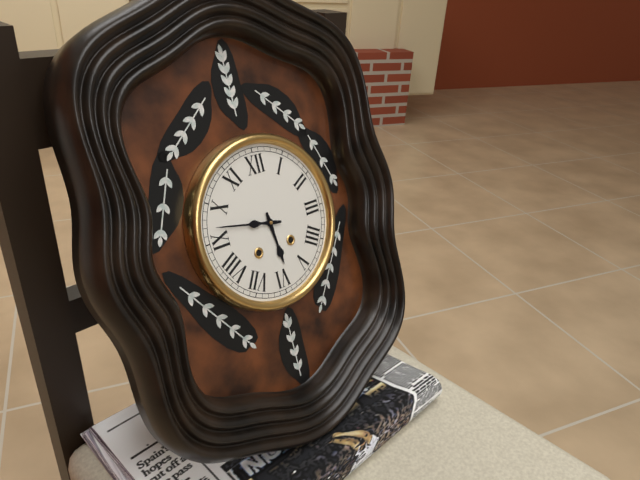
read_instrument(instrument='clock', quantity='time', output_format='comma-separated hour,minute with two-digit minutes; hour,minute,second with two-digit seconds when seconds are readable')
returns 5,47
